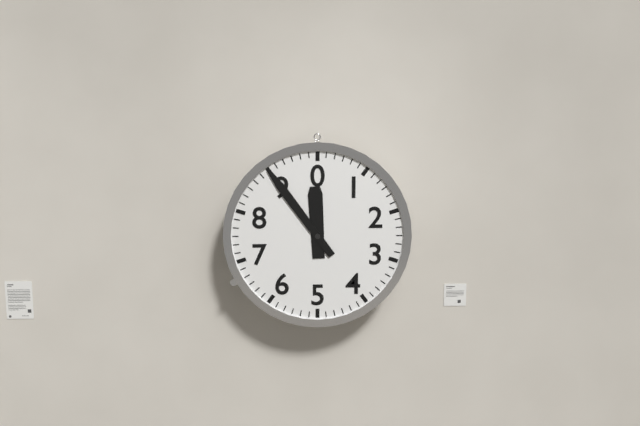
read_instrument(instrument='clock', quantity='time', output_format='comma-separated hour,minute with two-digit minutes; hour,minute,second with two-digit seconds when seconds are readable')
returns 11,54
